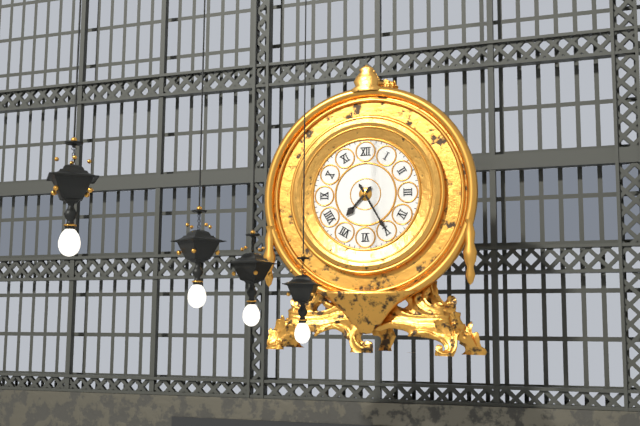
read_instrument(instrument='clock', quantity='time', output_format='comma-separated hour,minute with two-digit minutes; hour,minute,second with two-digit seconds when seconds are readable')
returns 7,25
